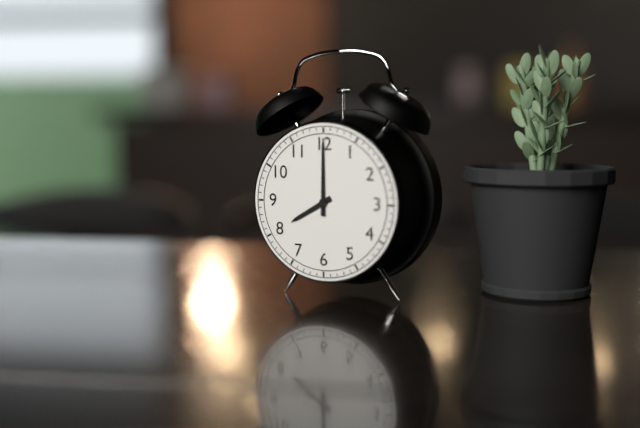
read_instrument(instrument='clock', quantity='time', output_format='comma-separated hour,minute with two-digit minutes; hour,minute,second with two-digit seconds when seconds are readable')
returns 8,00
